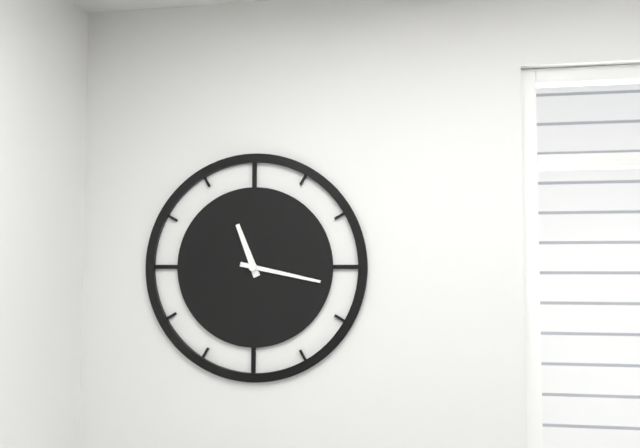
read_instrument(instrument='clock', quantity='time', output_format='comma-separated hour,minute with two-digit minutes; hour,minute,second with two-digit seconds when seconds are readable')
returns 11,17
